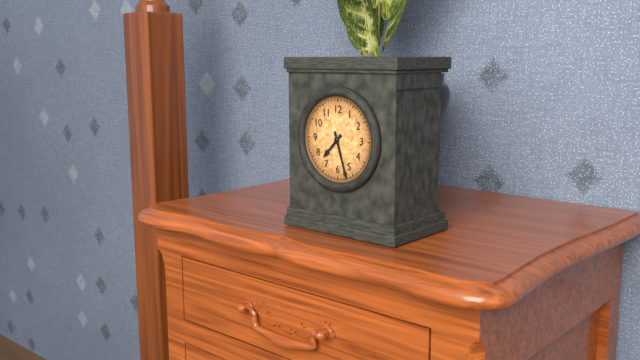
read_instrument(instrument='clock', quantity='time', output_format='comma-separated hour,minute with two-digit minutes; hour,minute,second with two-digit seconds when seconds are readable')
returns 7,27
